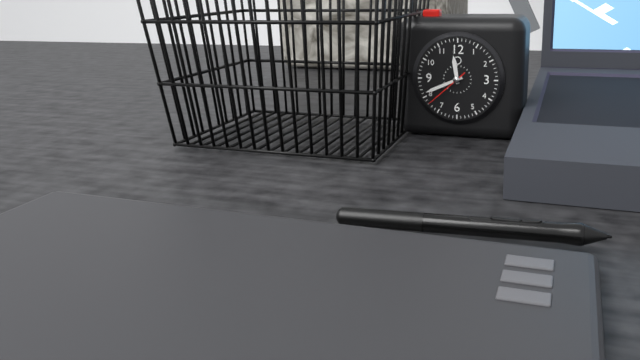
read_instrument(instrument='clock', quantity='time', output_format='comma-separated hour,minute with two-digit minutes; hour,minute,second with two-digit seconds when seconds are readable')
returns 11,41
